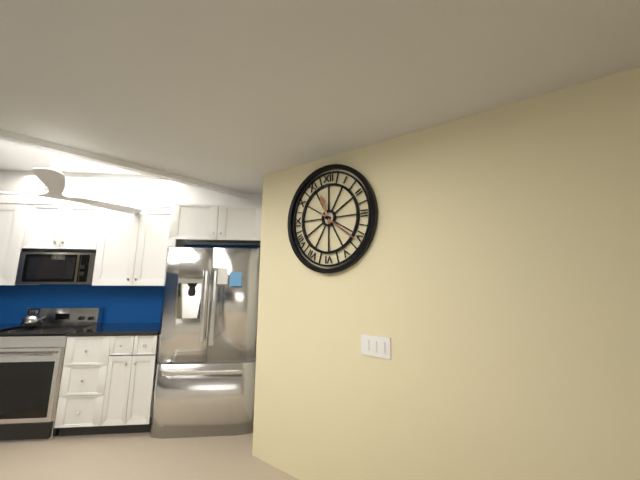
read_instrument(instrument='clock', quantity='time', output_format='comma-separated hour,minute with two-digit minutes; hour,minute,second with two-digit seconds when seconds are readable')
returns 11,21
